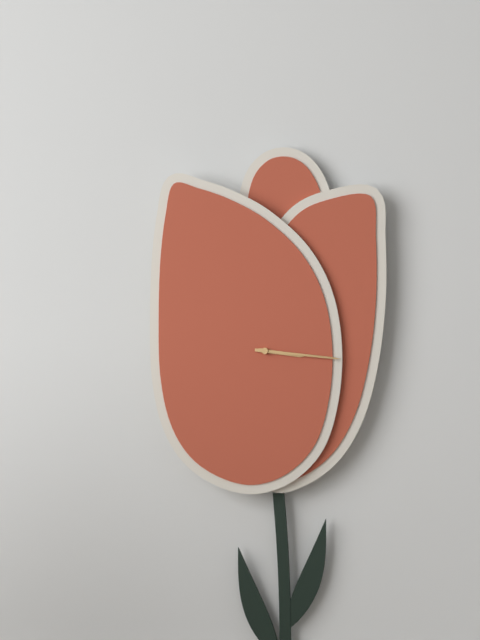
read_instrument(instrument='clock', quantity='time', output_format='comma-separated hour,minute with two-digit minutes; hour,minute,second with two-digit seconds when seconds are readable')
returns 3,16
